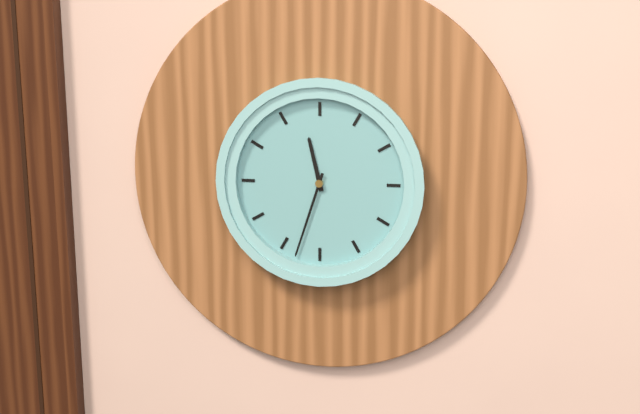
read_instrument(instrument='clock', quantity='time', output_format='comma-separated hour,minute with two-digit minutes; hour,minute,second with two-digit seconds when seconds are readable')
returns 11,33
